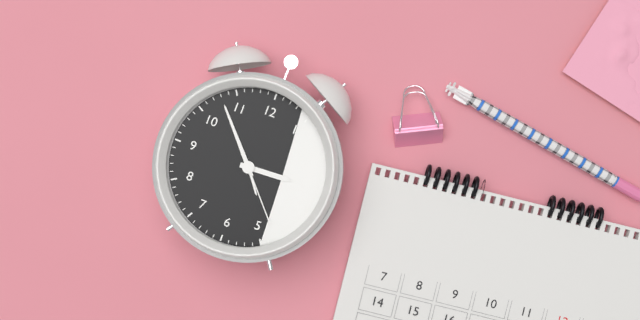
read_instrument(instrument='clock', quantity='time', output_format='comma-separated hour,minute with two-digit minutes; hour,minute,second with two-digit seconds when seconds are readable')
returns 2,53,23
